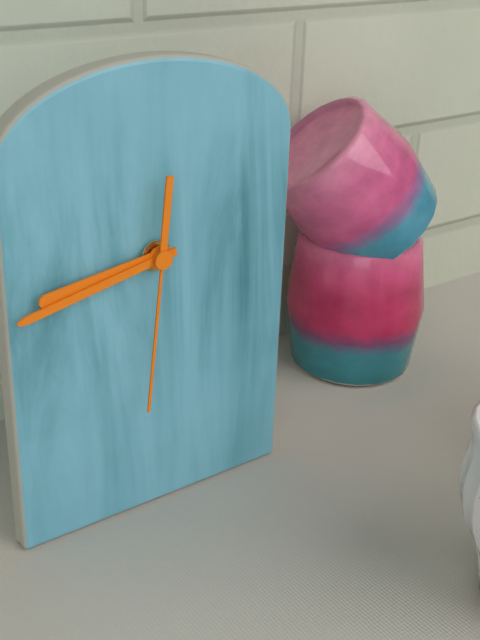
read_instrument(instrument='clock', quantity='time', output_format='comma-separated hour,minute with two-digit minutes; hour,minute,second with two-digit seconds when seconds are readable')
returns 8,43,31
